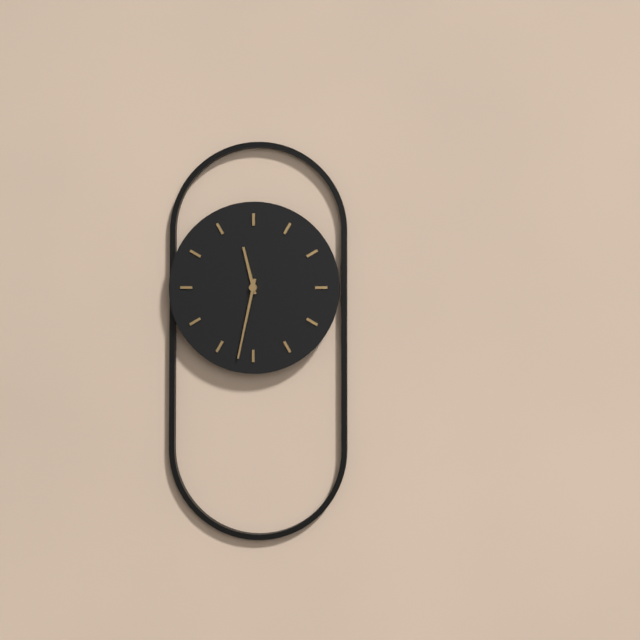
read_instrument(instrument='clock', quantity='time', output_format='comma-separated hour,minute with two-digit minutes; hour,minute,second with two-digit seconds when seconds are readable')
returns 11,32
